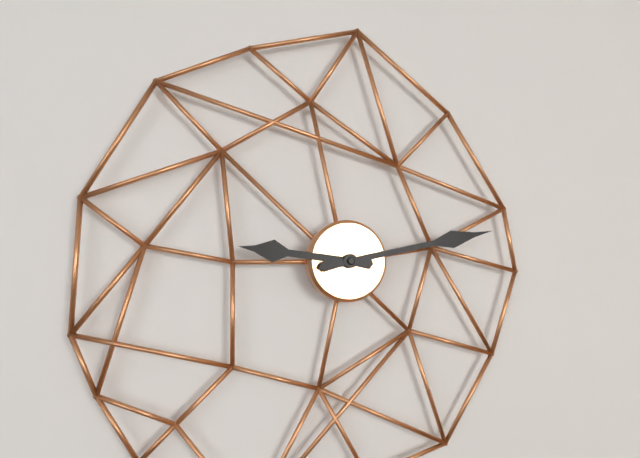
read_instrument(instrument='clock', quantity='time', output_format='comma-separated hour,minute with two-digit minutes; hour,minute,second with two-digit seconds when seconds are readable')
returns 9,13
